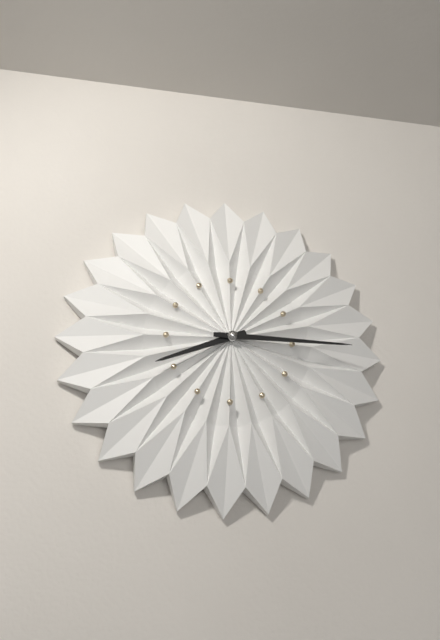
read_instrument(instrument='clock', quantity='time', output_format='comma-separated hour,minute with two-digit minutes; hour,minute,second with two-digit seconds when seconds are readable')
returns 8,15
